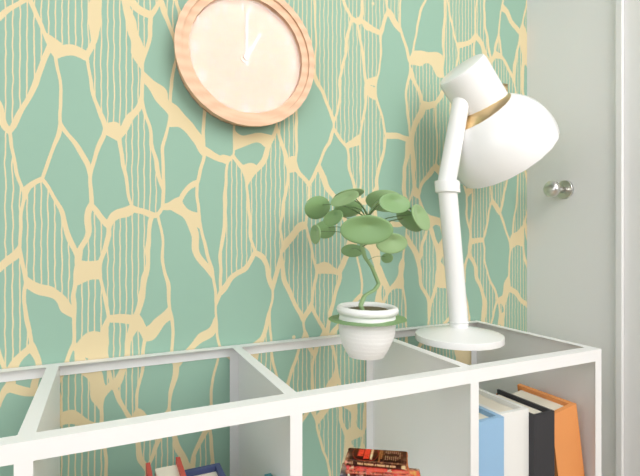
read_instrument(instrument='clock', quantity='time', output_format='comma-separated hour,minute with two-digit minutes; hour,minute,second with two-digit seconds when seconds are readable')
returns 1,00
